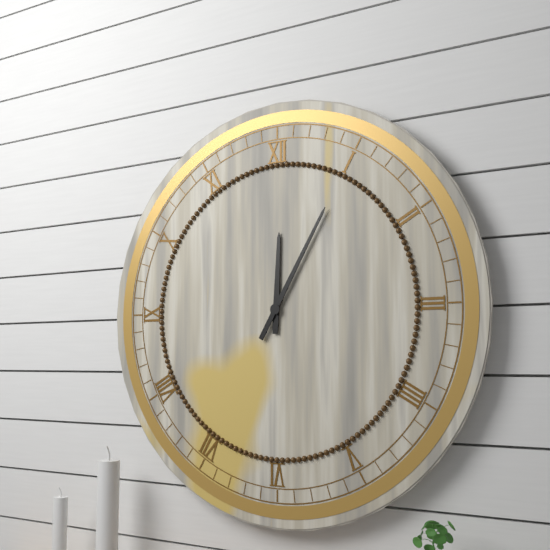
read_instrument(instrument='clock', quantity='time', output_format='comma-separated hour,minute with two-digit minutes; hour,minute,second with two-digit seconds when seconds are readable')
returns 12,05
